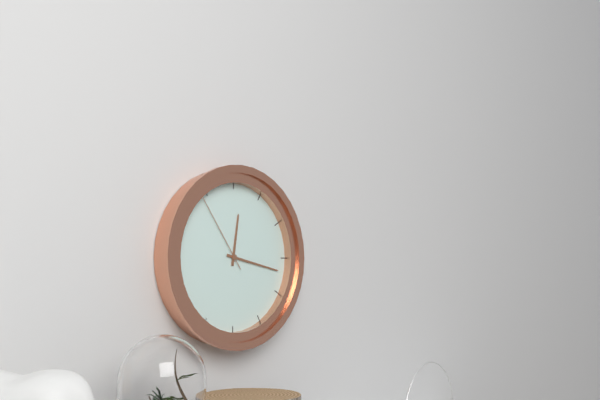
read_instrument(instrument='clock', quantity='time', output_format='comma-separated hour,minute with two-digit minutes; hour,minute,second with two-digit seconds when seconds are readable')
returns 12,17,54
